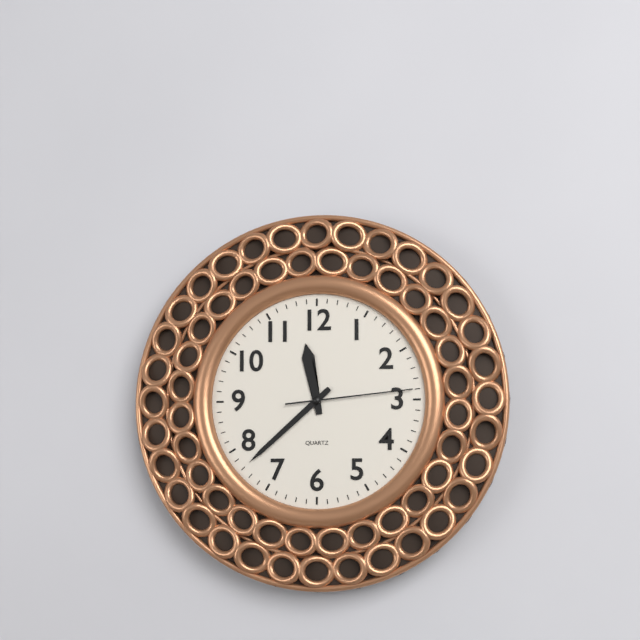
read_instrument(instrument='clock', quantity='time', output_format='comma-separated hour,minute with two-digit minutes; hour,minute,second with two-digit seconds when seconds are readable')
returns 11,38,14
